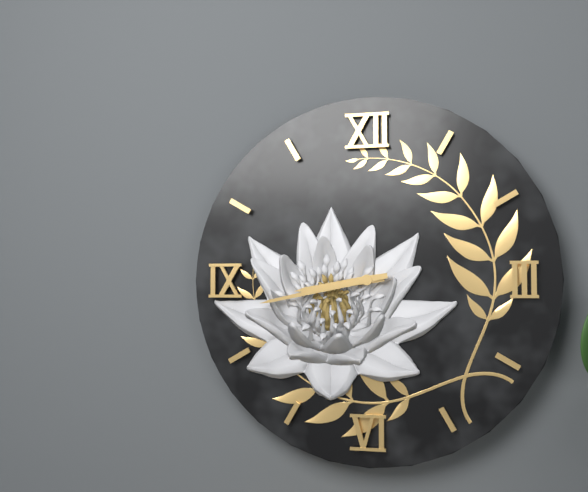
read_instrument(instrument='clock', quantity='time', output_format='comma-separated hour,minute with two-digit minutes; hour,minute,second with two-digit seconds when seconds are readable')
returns 8,43
